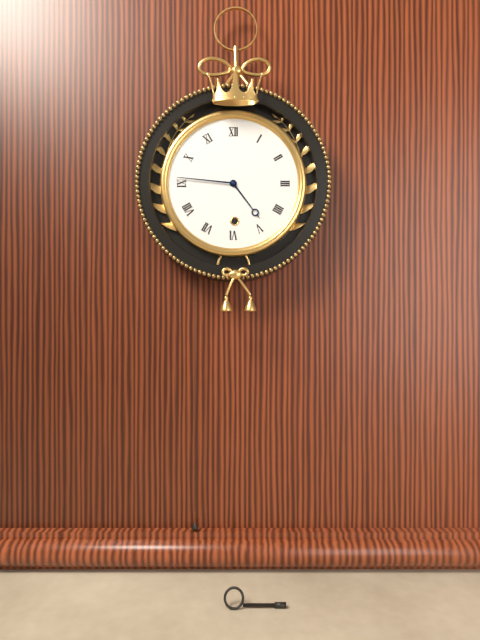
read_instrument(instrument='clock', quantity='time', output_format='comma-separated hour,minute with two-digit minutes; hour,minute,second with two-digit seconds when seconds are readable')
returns 4,46
